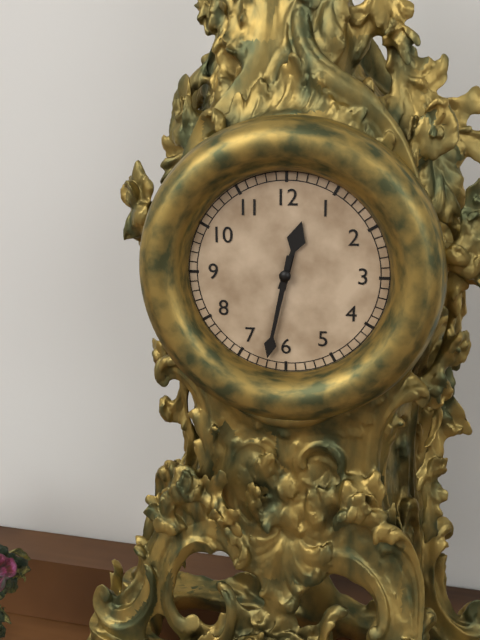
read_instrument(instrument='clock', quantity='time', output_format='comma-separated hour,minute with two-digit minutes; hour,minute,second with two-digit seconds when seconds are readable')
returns 12,32
